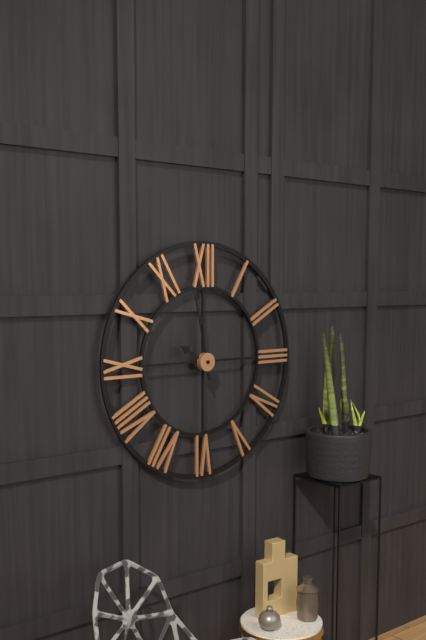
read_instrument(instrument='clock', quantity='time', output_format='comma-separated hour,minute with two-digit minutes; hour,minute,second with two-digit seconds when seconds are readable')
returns 9,59,58
